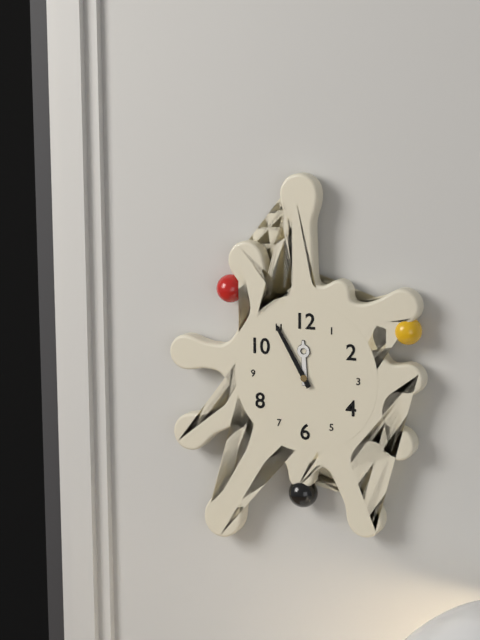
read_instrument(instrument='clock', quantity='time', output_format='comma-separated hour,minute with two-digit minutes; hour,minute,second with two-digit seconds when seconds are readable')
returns 11,55
